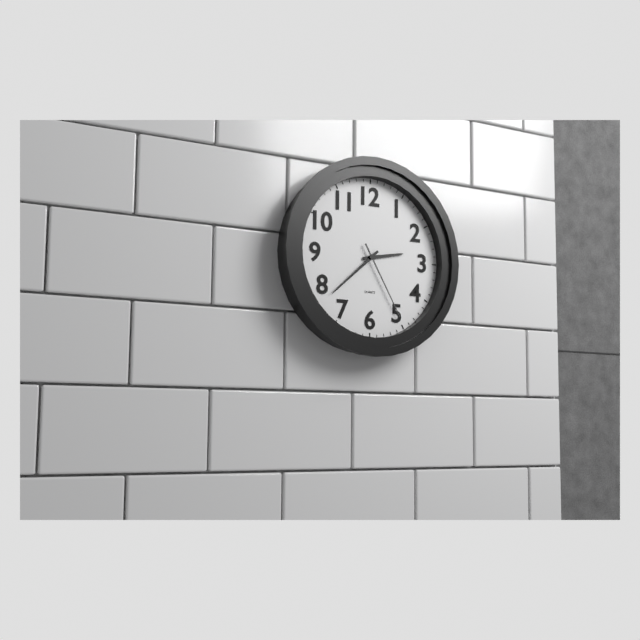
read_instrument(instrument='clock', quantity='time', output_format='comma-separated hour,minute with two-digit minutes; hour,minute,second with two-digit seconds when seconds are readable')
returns 2,38,25
